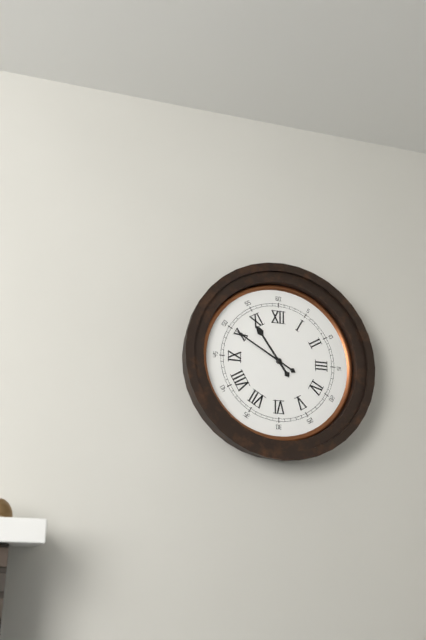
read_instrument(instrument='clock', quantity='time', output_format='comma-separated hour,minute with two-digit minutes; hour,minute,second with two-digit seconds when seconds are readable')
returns 10,50
